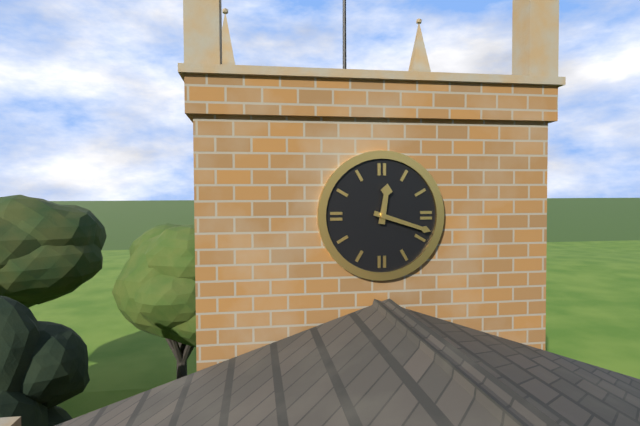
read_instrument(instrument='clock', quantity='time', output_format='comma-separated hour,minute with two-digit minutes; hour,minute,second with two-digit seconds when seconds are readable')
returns 12,18
